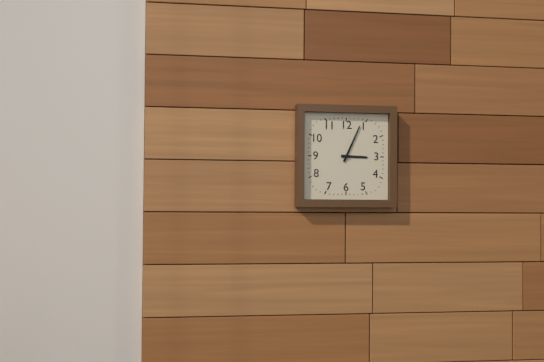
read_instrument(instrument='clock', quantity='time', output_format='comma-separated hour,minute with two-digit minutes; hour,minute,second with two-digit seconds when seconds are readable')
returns 3,04
